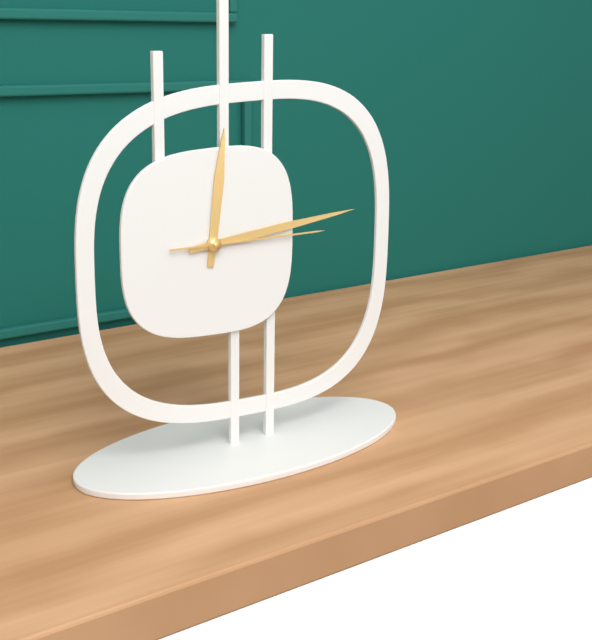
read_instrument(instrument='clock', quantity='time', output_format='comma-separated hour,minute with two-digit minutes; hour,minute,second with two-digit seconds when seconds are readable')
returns 12,14,15
